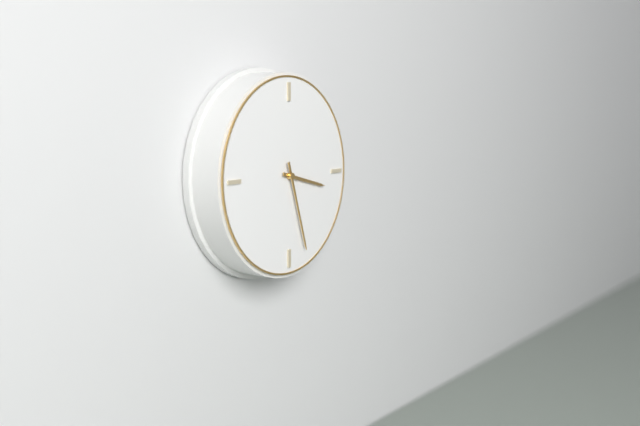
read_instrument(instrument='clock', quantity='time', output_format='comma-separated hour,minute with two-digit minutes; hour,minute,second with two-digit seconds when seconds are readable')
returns 3,27
